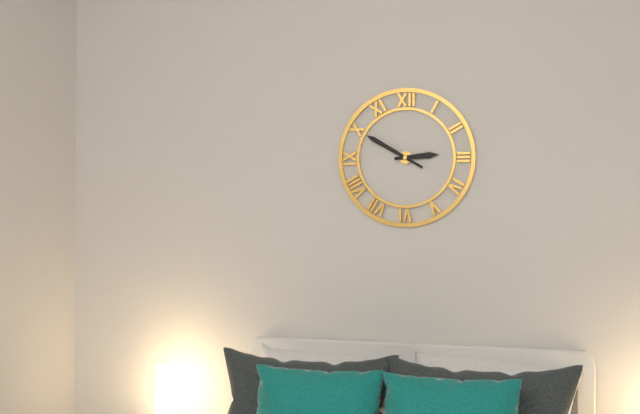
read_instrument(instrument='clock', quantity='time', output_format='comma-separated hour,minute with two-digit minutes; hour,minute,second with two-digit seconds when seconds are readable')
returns 2,50
